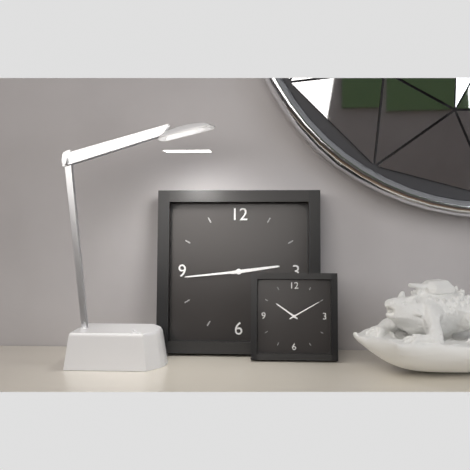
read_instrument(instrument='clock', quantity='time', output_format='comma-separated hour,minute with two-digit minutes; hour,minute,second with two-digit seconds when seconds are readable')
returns 2,44
